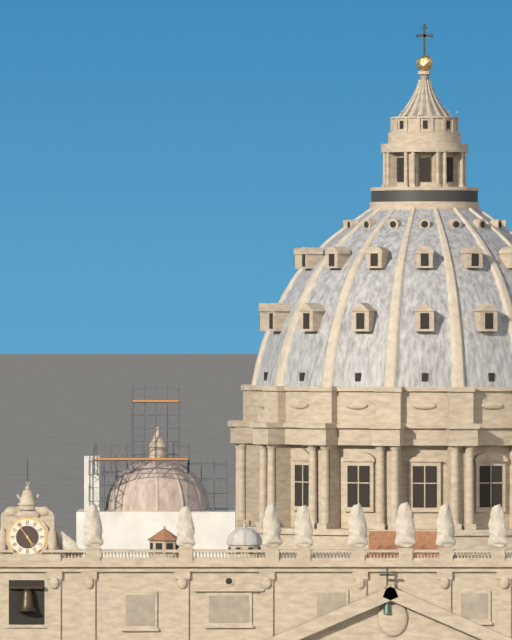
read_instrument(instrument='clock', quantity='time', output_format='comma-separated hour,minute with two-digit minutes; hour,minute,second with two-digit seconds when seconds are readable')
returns 4,54
